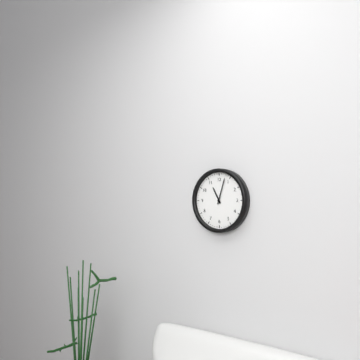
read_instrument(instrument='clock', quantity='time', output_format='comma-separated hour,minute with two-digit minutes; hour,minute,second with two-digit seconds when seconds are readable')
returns 11,03
